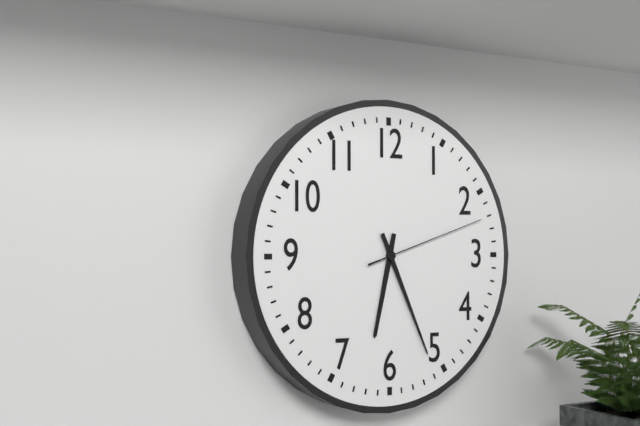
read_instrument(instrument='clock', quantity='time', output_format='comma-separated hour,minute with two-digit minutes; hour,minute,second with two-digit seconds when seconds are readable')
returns 6,26,12
